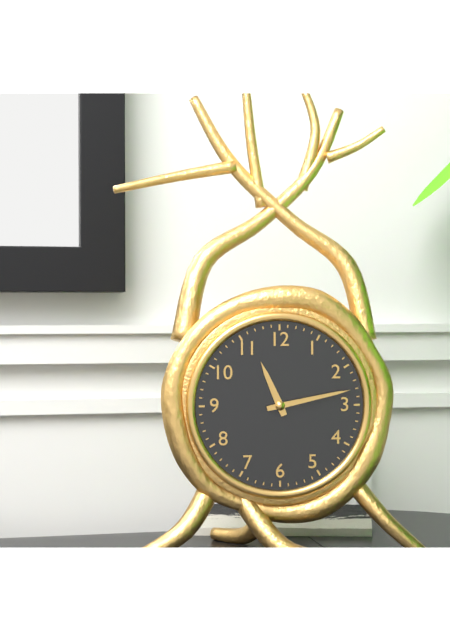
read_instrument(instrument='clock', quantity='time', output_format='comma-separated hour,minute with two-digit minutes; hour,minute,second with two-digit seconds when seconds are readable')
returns 11,13
